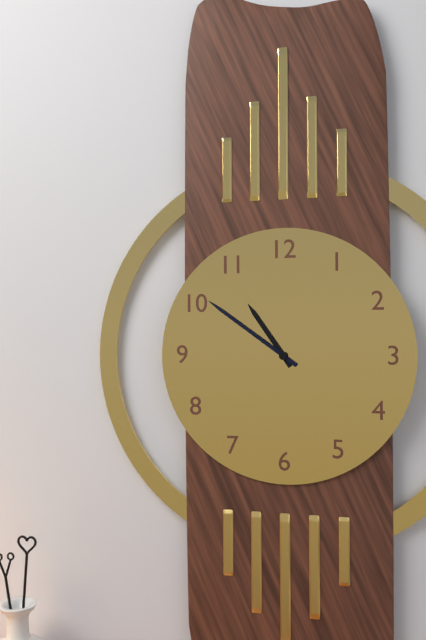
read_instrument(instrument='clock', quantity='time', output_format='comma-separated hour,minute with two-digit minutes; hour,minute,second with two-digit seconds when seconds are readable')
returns 10,51
